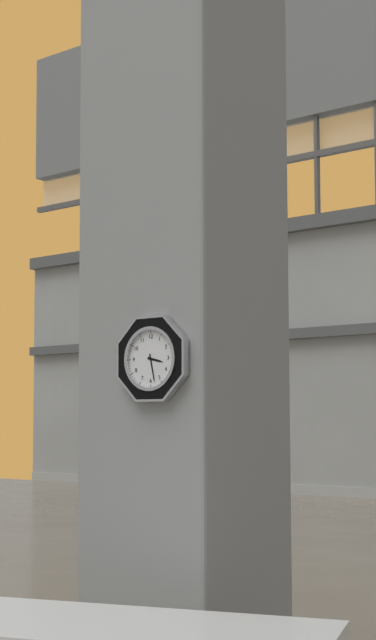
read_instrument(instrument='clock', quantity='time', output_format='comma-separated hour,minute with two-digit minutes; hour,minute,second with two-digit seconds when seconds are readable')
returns 3,28
